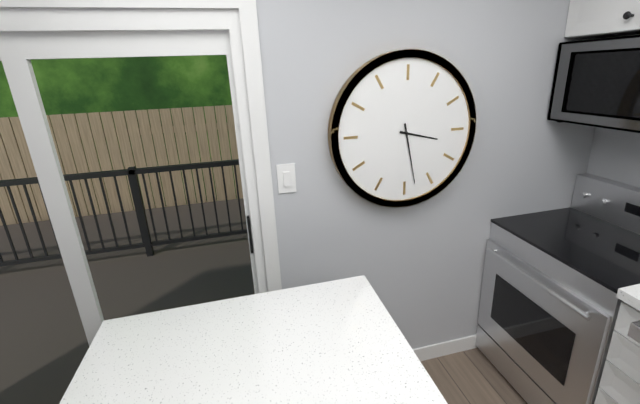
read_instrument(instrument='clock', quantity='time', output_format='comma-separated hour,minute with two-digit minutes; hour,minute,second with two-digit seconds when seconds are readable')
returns 3,28
